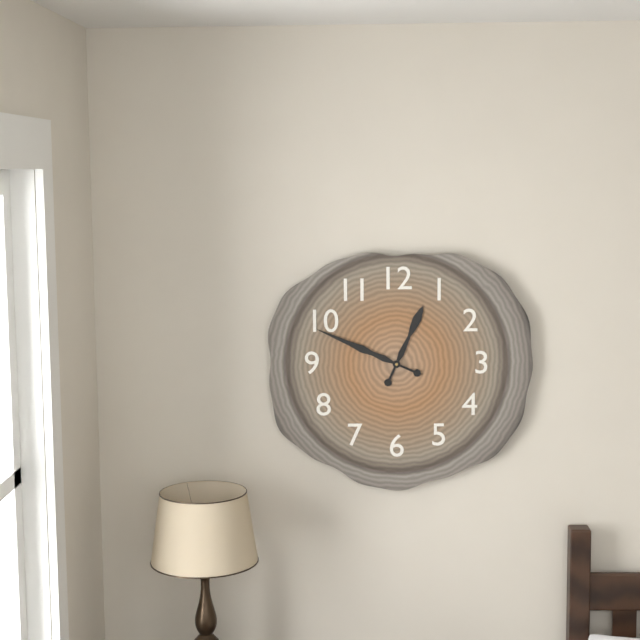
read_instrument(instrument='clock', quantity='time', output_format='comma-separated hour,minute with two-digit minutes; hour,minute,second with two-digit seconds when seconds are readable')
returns 12,49
